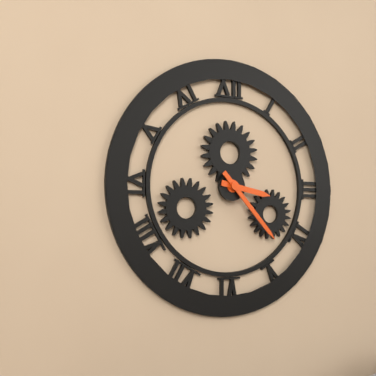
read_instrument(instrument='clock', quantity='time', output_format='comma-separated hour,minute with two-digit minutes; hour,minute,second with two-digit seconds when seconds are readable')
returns 3,23
